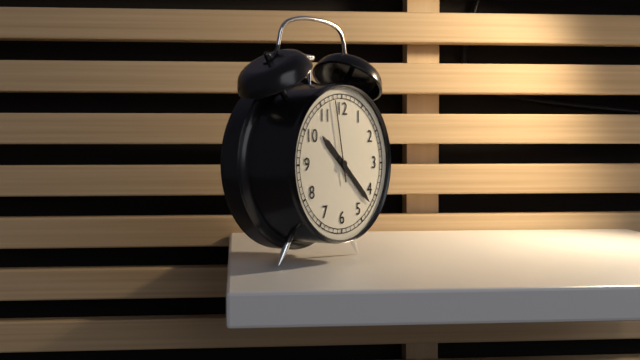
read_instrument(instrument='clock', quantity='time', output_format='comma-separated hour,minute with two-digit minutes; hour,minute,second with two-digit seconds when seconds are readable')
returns 10,22,58
